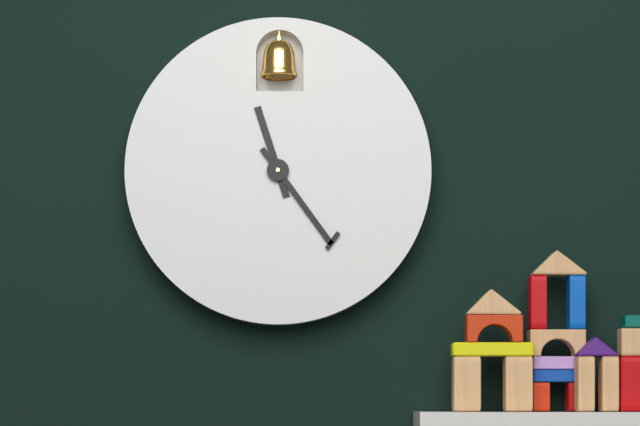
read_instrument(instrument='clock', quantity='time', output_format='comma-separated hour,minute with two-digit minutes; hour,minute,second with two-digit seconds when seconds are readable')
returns 11,24
